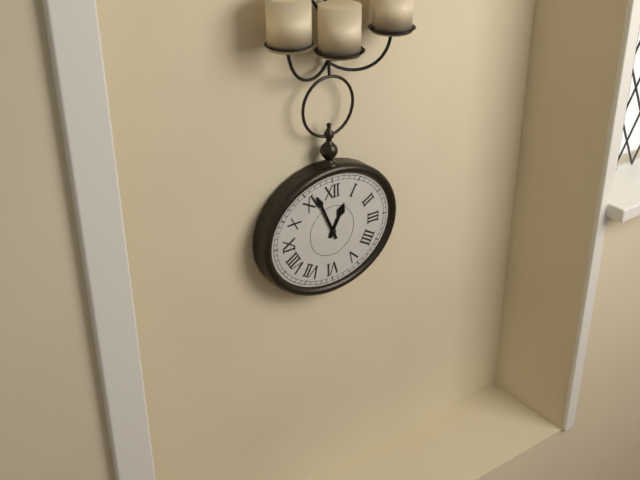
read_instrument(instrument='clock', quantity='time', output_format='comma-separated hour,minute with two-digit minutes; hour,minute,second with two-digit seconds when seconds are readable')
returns 12,56
